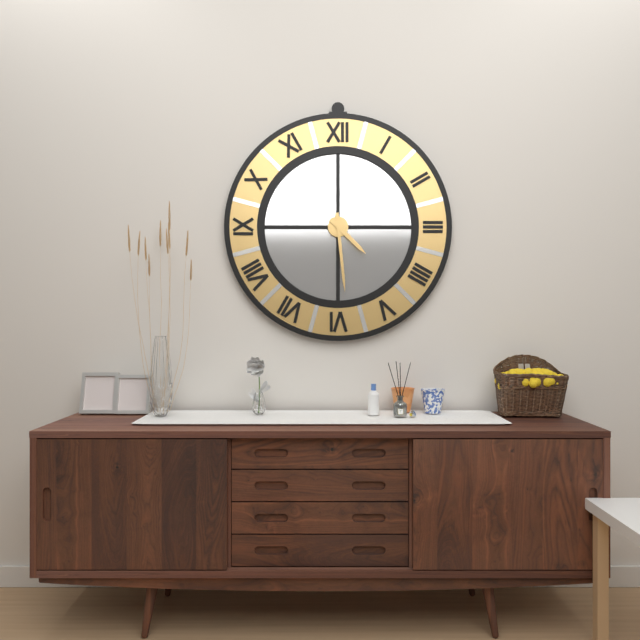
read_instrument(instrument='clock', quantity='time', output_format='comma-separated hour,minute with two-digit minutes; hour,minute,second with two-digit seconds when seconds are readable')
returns 4,29
